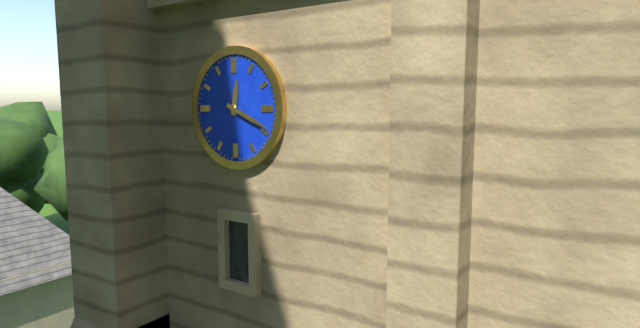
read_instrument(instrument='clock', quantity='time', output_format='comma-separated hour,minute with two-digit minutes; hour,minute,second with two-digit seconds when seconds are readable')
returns 12,19
